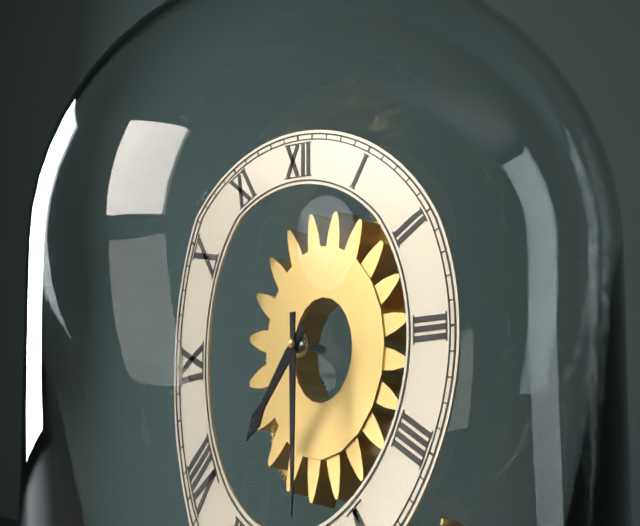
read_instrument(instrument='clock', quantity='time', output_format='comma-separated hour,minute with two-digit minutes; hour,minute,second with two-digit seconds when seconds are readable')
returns 7,30
